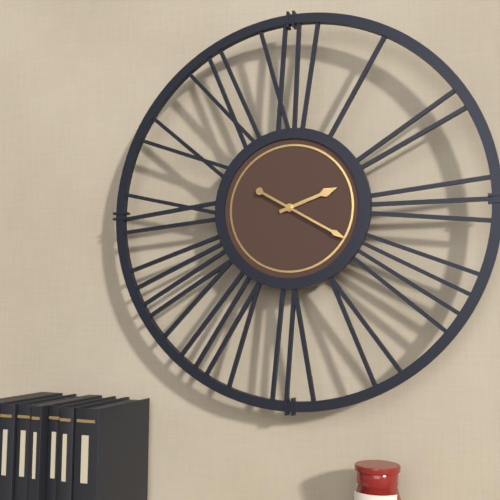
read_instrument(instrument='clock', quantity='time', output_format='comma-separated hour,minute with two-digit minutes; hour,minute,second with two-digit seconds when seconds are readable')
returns 2,20
